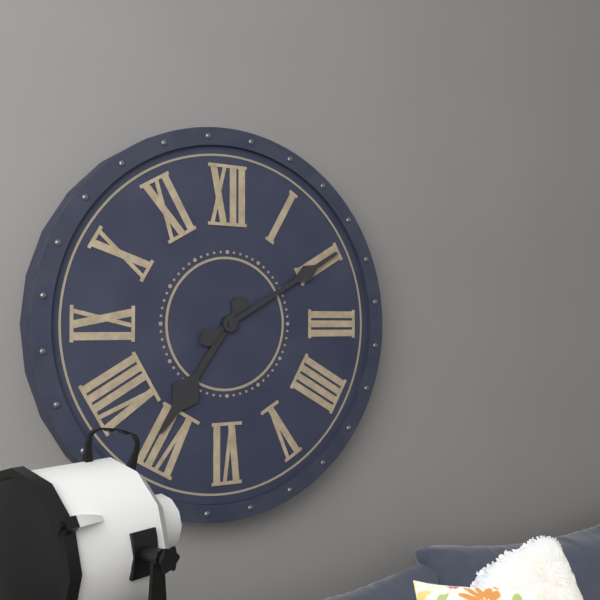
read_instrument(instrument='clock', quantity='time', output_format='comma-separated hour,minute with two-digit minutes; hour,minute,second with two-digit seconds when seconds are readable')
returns 7,10
